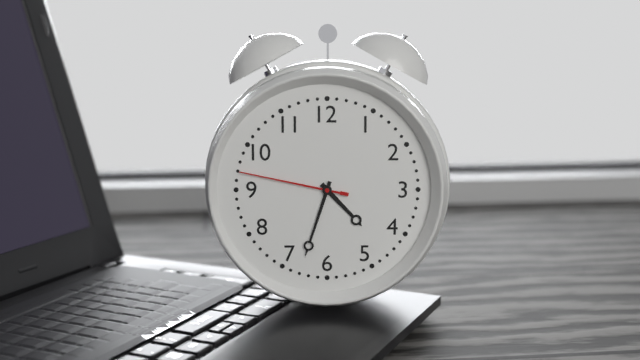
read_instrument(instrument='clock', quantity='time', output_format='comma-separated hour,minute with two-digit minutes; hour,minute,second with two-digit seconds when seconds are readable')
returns 4,33,47
